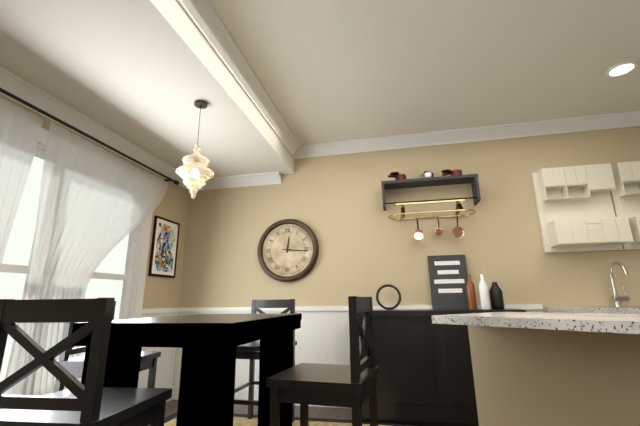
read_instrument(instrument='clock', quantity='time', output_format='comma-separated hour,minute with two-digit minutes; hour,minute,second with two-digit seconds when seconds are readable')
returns 12,16
